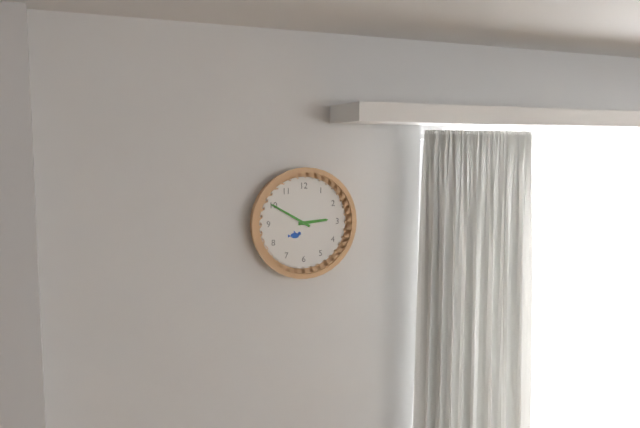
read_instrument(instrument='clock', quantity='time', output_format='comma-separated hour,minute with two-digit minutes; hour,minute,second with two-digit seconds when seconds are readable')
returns 2,50
